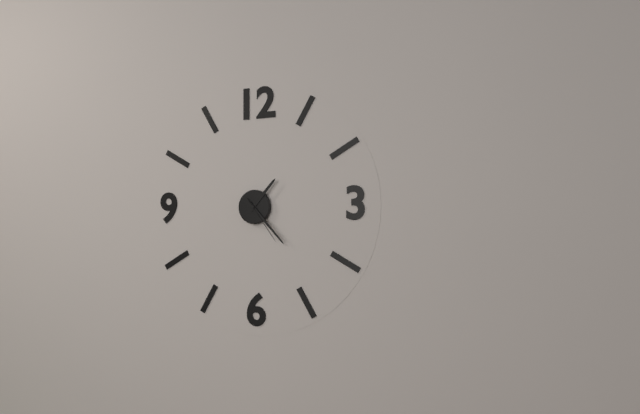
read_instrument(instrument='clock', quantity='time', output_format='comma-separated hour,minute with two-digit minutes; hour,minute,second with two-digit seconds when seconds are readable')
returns 1,23,24
